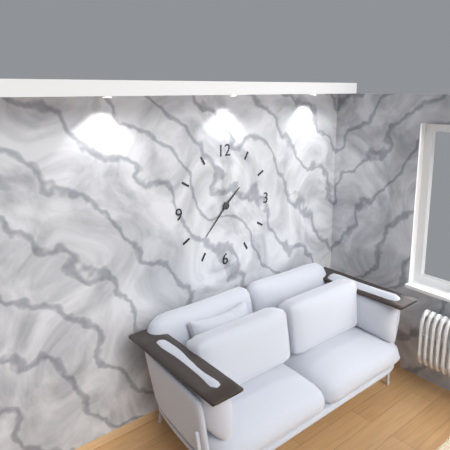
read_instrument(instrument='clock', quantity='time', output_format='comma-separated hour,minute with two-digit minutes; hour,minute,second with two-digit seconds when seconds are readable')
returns 1,37
